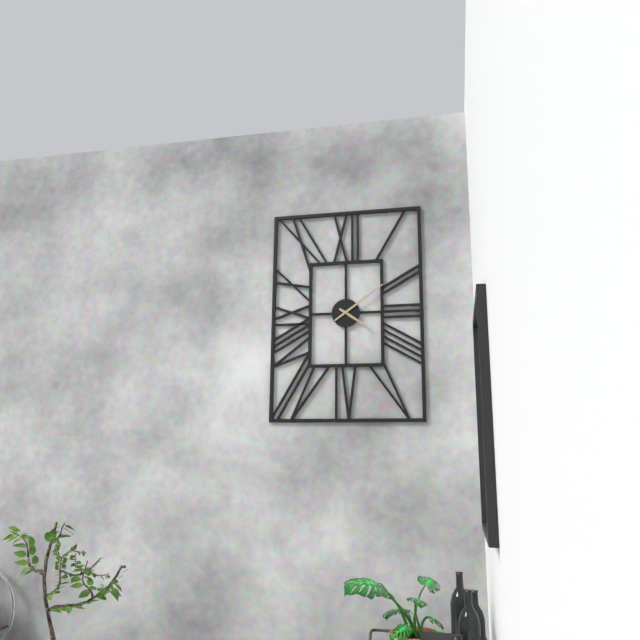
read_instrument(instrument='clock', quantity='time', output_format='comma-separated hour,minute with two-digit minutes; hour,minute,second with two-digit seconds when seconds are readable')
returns 4,09
